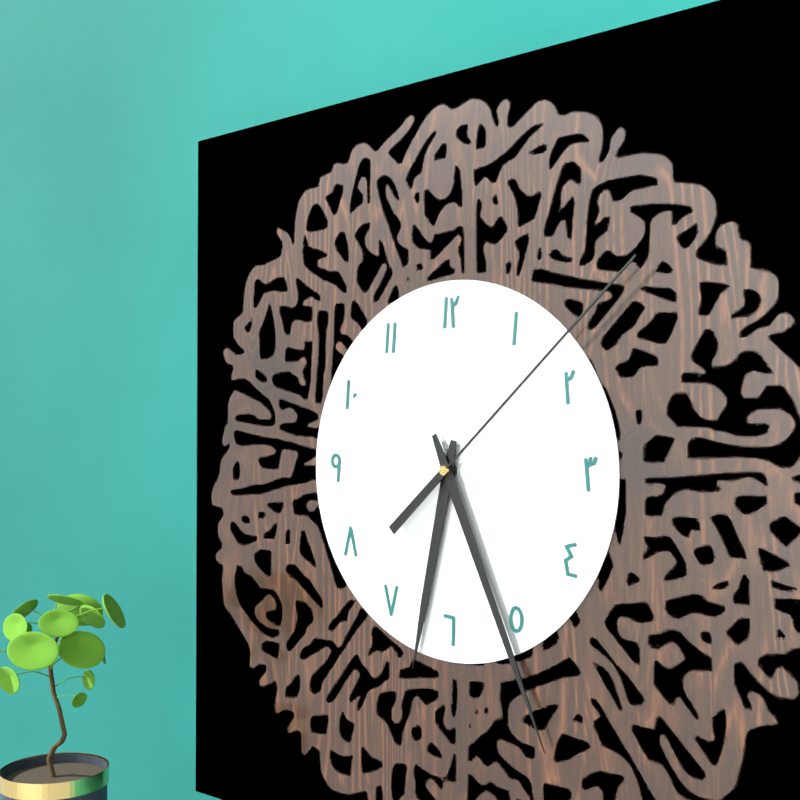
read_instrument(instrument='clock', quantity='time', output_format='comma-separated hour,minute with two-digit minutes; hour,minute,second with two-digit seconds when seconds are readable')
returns 6,26,08
